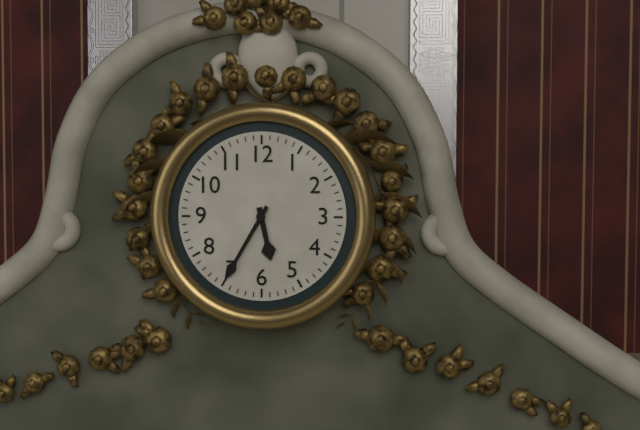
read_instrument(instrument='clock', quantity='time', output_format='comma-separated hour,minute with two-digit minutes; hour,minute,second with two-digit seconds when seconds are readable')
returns 5,35
